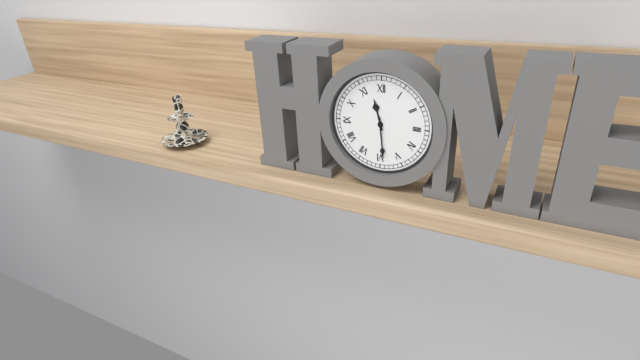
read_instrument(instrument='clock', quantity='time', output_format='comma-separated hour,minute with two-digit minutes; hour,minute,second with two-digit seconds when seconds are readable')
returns 11,29
